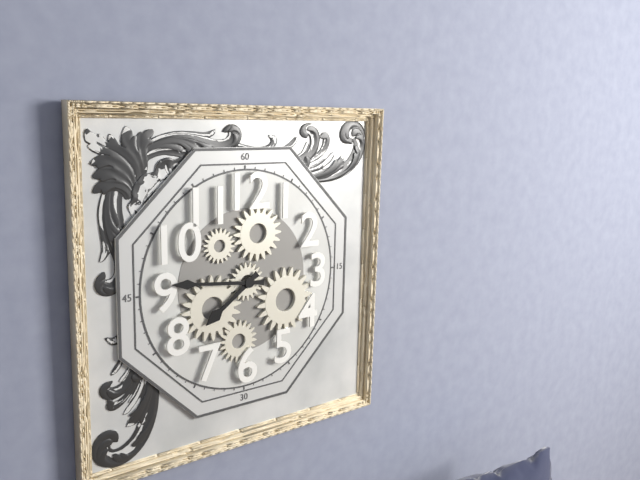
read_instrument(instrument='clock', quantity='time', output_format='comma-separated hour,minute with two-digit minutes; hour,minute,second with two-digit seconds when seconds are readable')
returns 7,46
